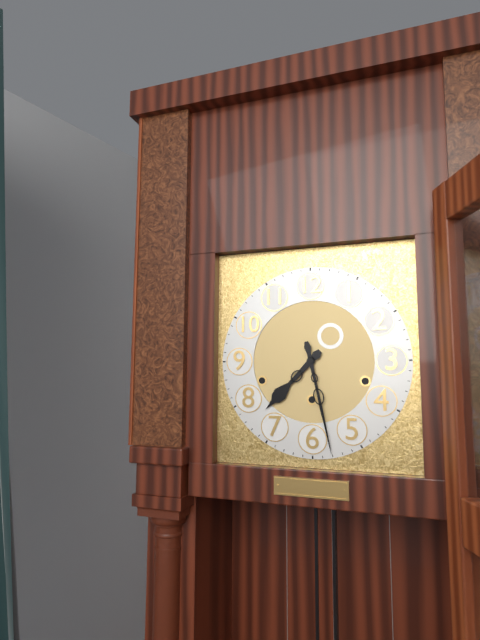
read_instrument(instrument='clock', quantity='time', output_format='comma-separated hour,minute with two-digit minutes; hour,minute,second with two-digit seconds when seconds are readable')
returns 7,28
